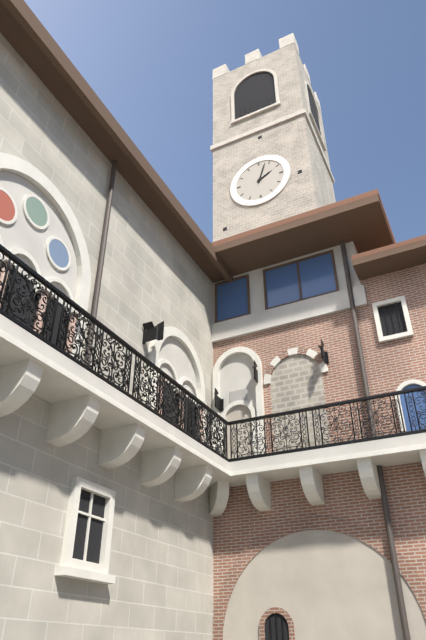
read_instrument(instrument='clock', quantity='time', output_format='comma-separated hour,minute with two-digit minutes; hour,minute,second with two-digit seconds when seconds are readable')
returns 2,03
